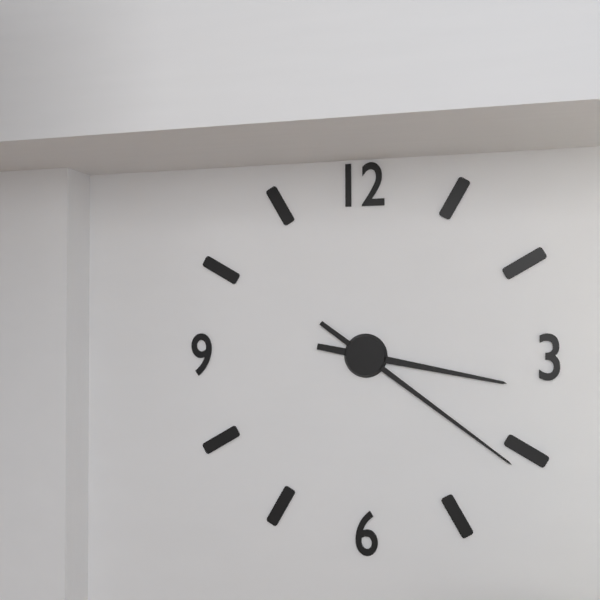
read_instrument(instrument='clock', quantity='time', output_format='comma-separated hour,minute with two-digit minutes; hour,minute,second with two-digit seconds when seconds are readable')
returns 3,21
